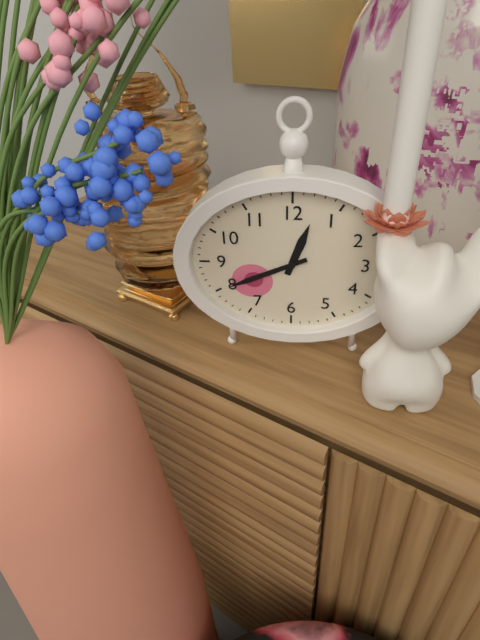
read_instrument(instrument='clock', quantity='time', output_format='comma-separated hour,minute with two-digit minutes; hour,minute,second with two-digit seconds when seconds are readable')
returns 12,41
